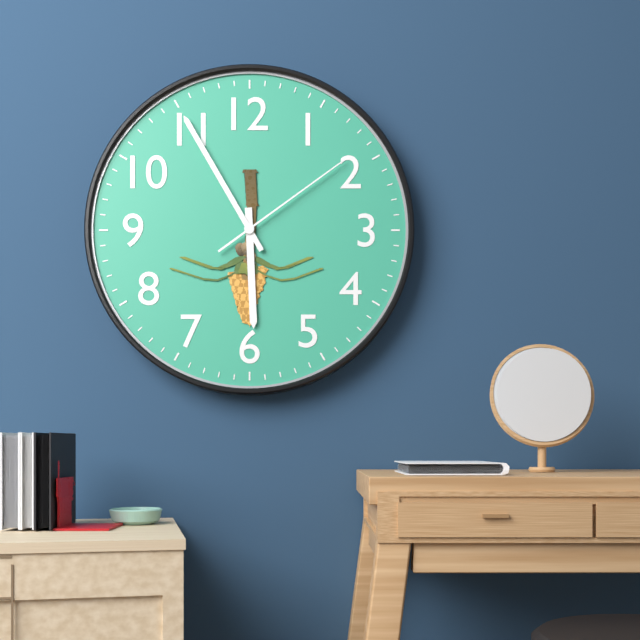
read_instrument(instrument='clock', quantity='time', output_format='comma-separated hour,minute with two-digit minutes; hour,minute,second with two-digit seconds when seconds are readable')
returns 5,55,09
